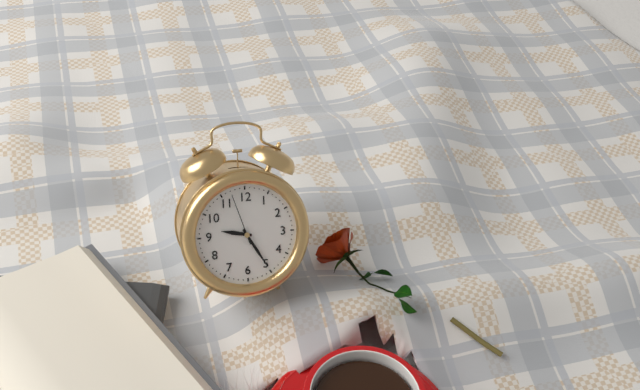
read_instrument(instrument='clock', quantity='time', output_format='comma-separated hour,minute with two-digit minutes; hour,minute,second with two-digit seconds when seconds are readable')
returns 9,25,57
